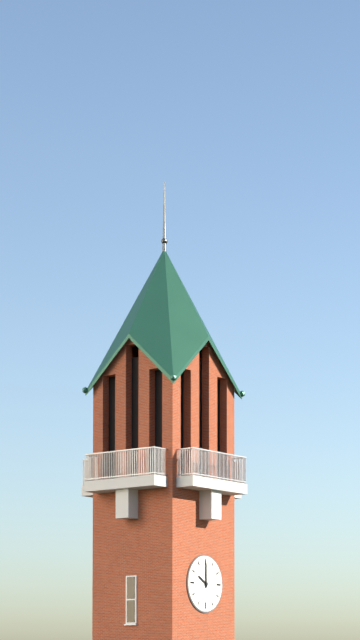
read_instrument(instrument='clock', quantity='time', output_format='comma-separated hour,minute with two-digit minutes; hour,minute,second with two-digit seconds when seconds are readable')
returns 10,00
